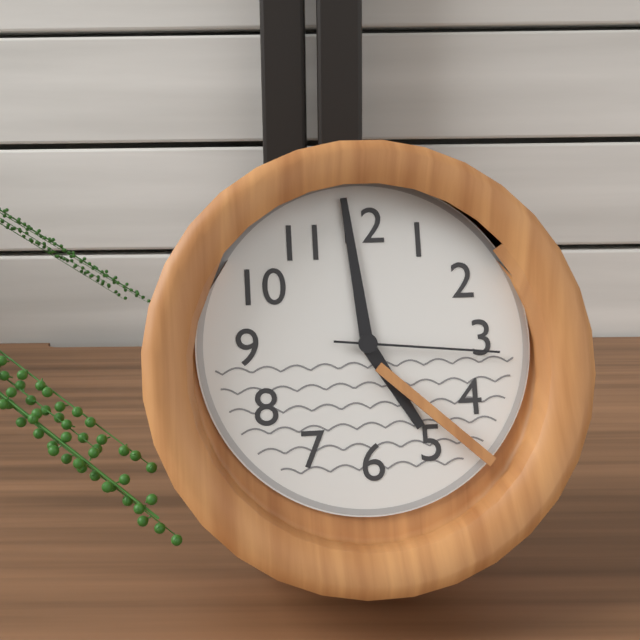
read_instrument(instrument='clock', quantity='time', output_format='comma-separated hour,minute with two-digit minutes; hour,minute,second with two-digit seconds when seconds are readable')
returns 4,59,16
